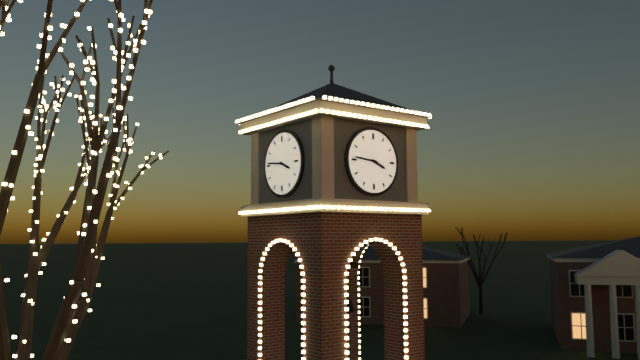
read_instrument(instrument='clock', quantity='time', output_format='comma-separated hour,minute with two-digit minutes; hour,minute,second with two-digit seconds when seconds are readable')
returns 3,46
